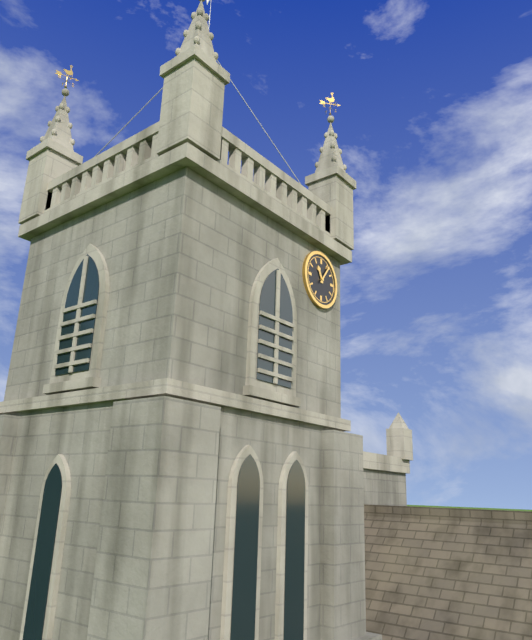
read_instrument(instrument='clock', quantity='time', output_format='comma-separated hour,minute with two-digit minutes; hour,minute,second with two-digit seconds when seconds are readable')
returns 11,06
